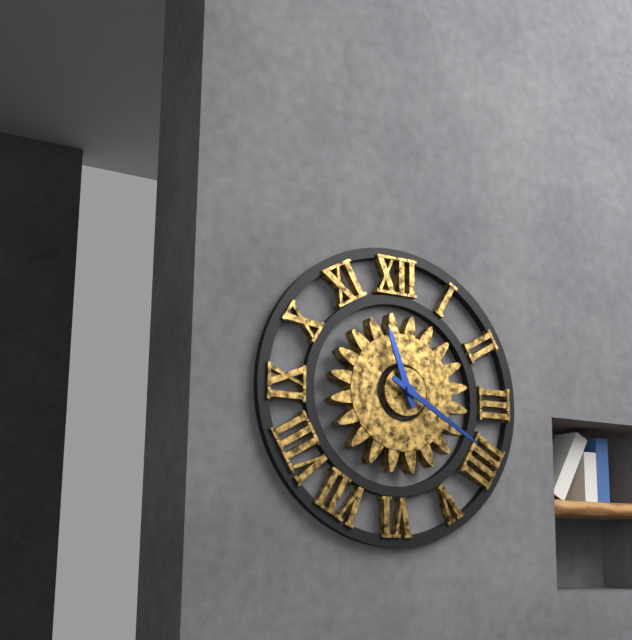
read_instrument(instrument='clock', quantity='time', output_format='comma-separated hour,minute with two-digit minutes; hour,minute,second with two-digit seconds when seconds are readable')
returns 11,20
